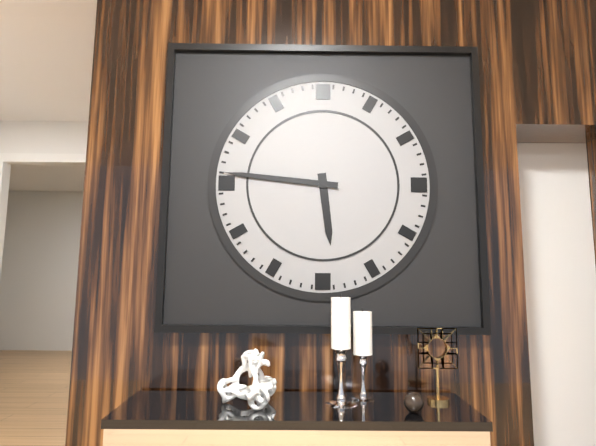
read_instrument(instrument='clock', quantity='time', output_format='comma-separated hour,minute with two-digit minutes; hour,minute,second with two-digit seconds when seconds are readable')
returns 5,46
